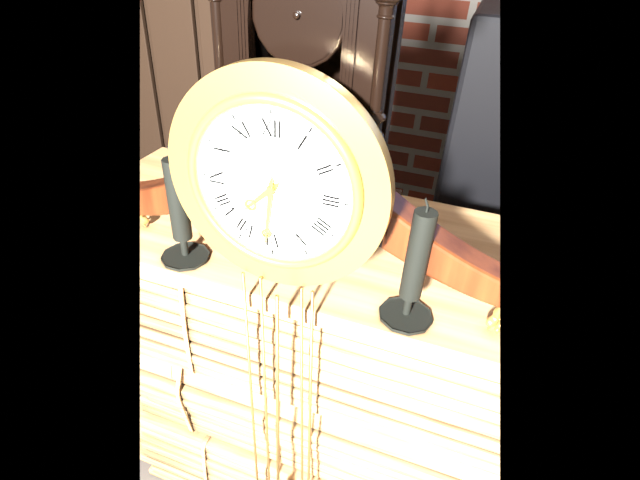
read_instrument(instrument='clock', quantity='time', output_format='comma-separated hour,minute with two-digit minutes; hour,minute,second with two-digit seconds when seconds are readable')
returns 7,31
